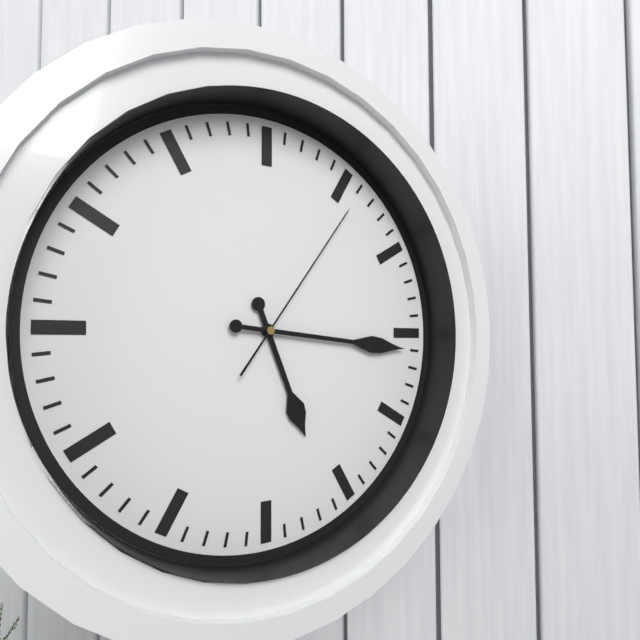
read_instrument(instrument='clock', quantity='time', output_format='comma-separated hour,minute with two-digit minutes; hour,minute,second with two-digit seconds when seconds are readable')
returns 5,16,06
